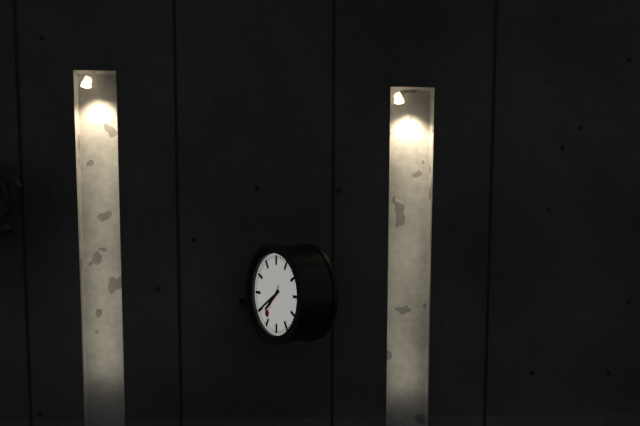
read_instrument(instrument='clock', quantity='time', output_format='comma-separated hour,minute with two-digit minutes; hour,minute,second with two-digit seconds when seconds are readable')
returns 7,40
